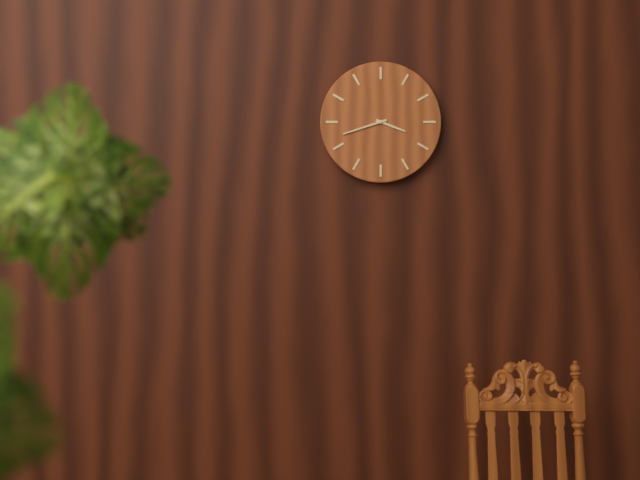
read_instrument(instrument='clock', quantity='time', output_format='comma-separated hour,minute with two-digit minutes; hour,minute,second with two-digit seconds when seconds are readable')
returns 3,42
